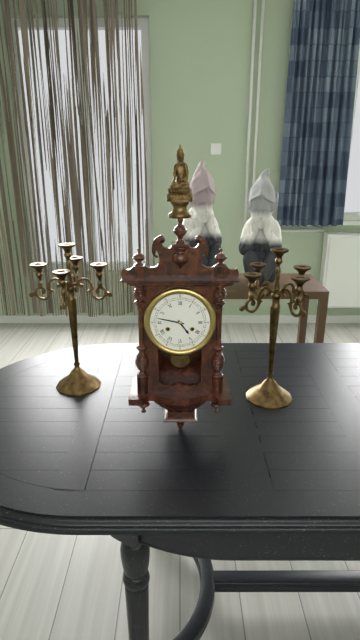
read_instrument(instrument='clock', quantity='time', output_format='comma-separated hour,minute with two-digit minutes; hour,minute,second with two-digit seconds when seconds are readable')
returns 4,47
